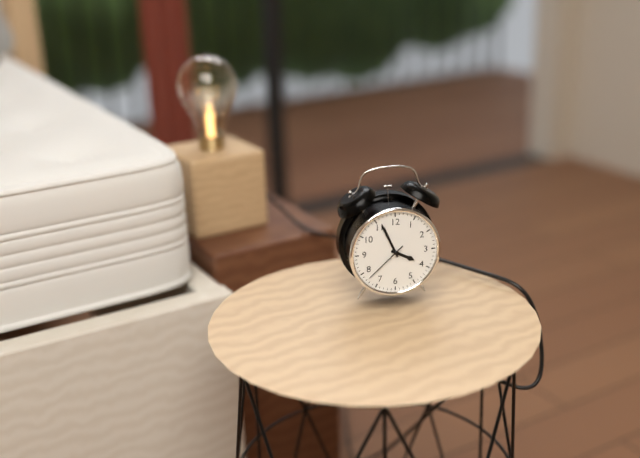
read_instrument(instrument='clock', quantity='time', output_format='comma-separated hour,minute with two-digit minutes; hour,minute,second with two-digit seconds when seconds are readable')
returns 3,56
